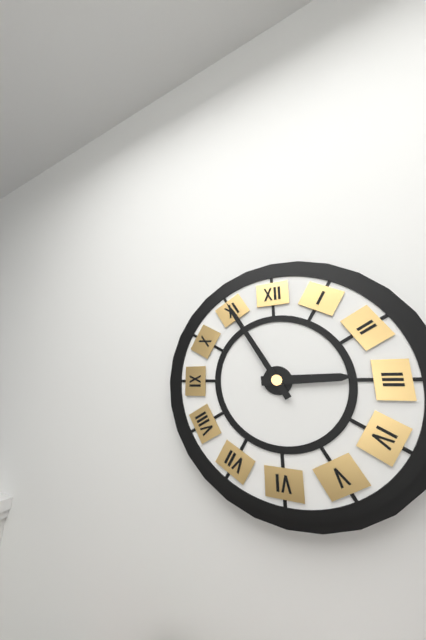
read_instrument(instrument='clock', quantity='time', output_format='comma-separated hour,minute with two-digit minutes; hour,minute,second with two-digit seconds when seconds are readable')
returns 2,55
